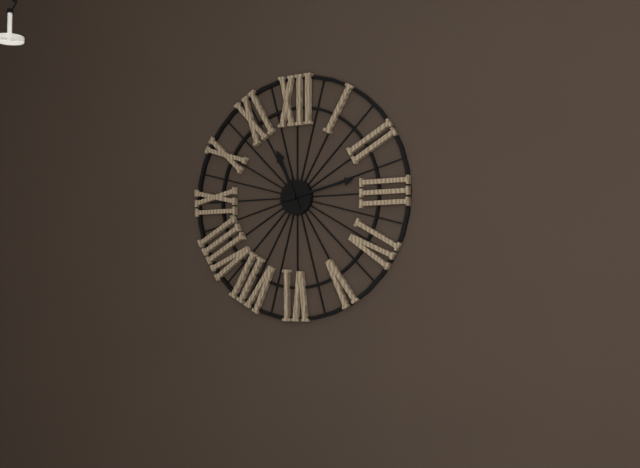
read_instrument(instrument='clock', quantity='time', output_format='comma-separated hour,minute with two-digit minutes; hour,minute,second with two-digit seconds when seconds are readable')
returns 11,13
